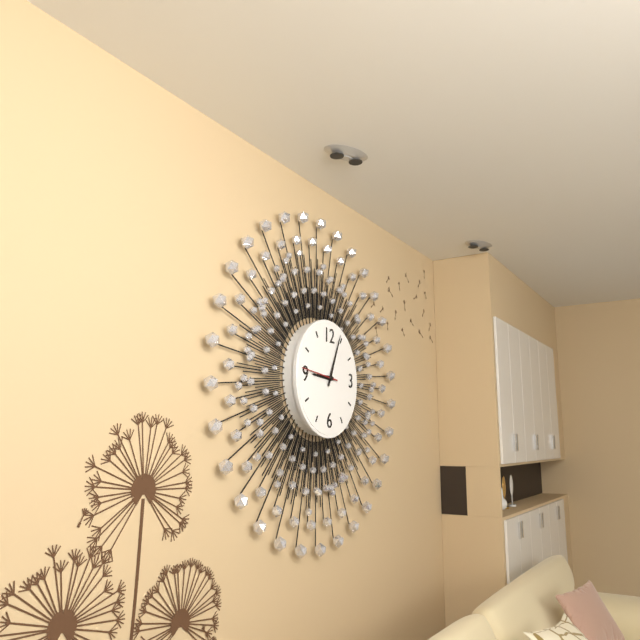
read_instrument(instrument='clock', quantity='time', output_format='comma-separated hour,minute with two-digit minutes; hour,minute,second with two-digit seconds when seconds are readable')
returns 9,04
